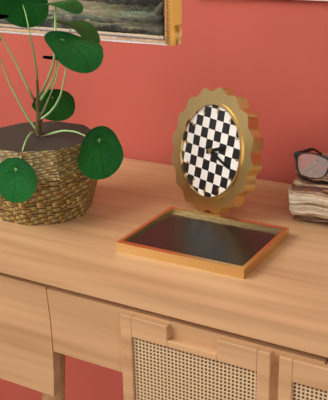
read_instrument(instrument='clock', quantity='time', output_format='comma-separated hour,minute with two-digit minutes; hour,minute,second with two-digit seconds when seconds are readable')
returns 2,18
